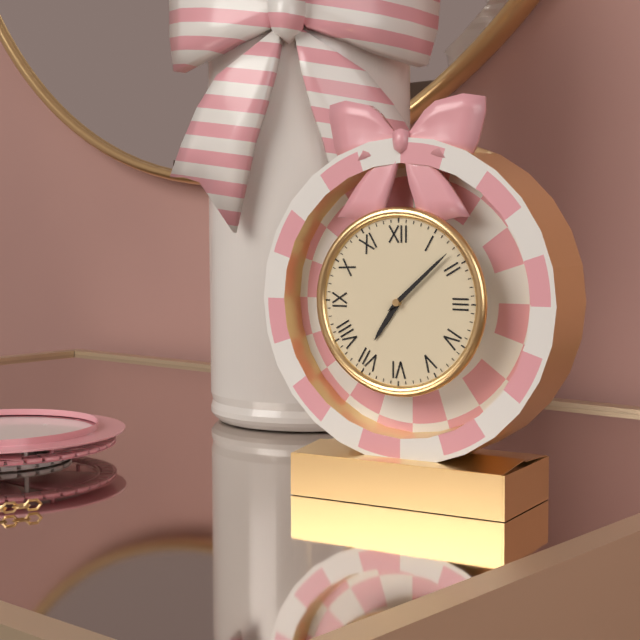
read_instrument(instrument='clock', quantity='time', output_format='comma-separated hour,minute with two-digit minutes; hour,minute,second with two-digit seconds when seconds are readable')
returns 7,08
